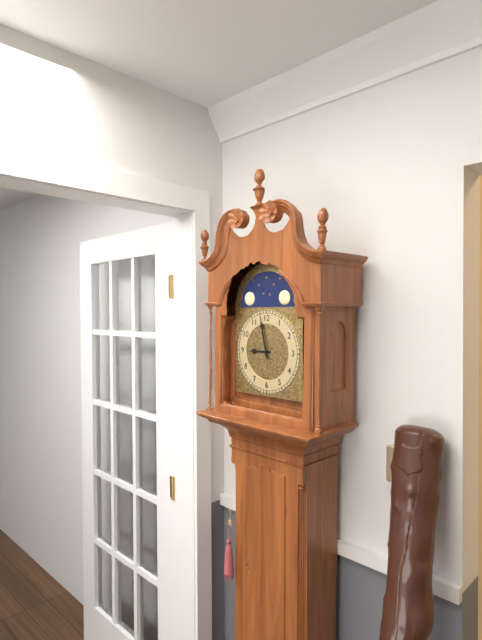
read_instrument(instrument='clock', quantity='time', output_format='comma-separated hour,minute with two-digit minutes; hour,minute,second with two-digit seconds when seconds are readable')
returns 8,58
